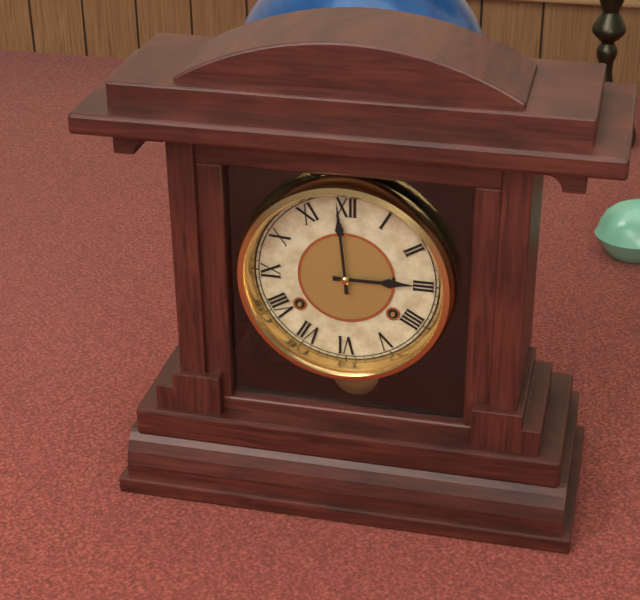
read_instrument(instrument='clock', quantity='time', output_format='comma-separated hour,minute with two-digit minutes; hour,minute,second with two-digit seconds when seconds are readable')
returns 2,59
